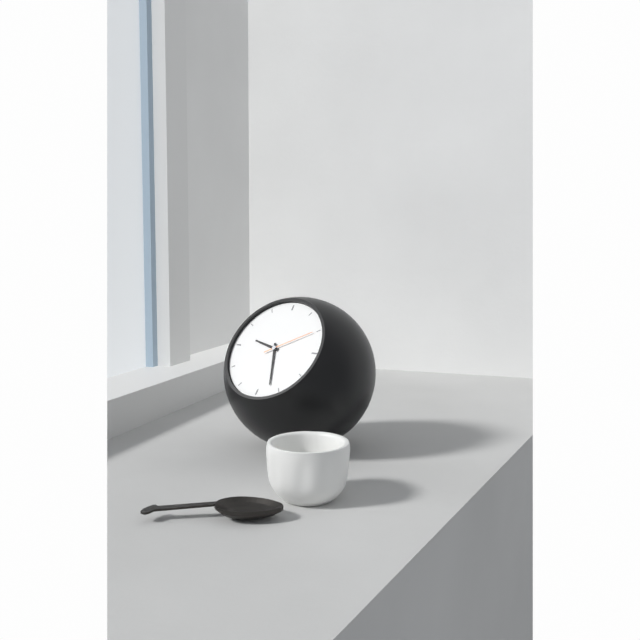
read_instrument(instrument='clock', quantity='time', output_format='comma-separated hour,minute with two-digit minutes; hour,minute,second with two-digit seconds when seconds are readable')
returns 9,27,10
